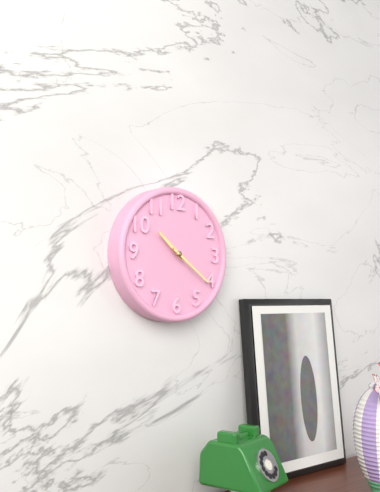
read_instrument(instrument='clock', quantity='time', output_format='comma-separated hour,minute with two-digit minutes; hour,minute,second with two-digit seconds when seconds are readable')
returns 10,21
